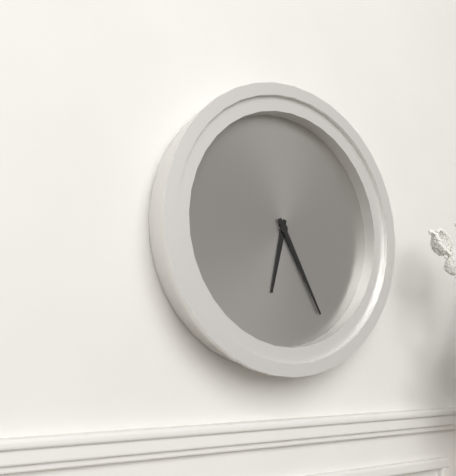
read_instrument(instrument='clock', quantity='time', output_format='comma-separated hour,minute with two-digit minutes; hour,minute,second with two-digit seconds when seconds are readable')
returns 6,25
